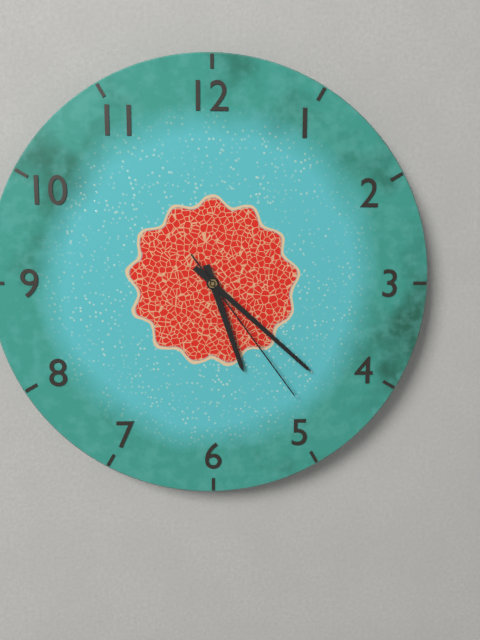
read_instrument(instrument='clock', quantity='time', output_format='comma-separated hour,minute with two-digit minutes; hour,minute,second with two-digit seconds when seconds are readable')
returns 5,22,24
